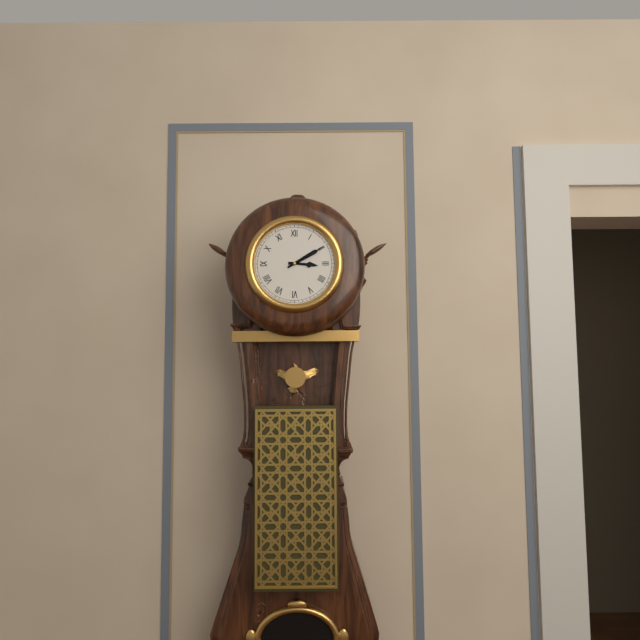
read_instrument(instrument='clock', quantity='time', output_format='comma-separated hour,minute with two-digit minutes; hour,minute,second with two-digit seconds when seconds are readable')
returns 3,10
